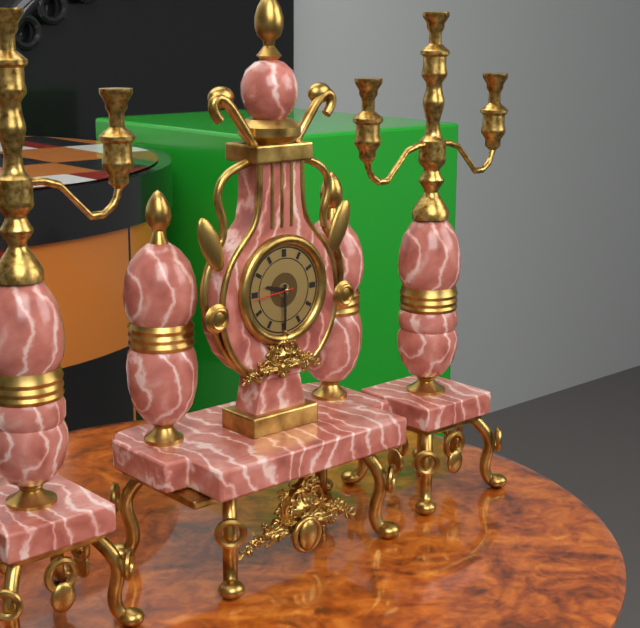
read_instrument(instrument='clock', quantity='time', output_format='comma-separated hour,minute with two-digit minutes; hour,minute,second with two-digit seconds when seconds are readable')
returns 9,30
